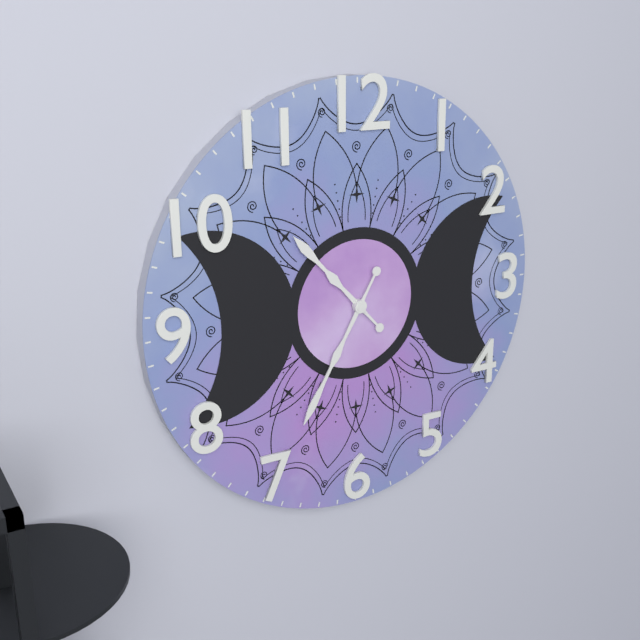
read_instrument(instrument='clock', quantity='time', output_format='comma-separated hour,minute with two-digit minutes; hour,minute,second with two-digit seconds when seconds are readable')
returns 10,35
